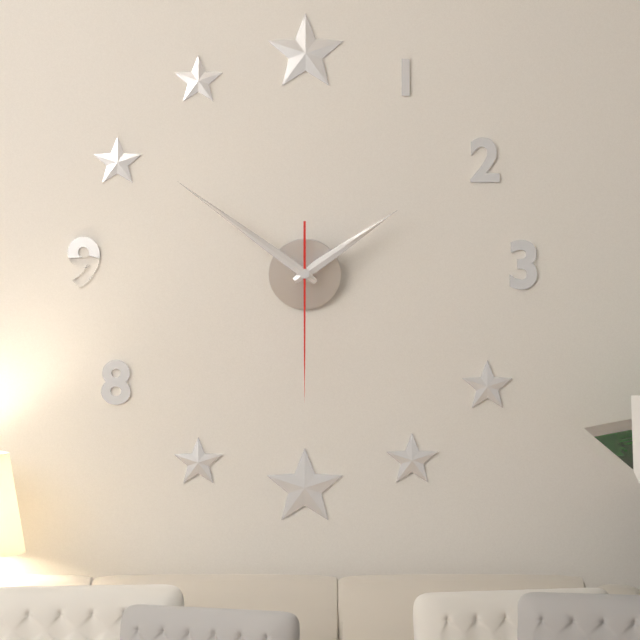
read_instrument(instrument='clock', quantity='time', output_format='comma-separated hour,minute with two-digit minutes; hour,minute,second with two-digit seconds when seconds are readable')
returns 1,51,30
